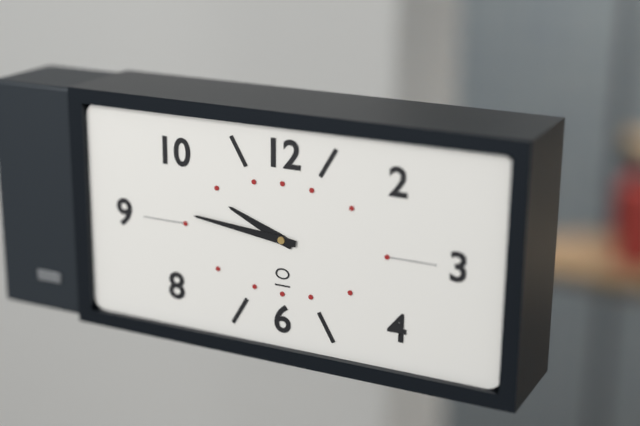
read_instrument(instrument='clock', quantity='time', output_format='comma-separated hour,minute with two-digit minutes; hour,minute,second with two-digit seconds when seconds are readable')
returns 9,46
